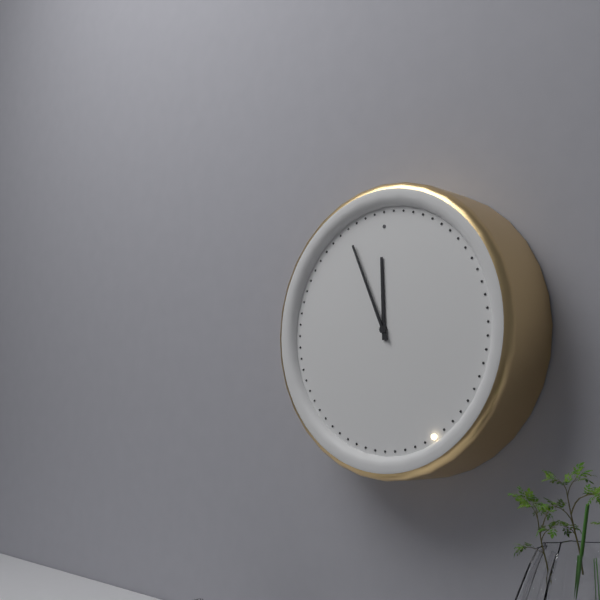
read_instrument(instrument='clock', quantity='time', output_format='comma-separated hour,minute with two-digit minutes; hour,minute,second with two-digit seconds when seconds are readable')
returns 11,56
